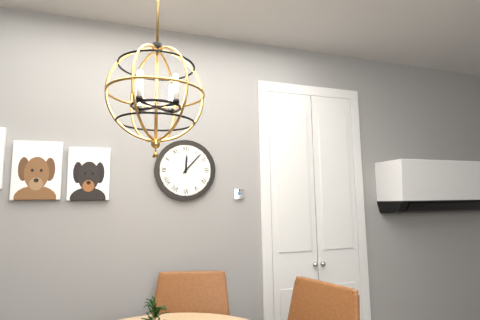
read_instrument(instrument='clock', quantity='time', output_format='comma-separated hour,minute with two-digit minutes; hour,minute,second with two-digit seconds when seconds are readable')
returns 12,07
